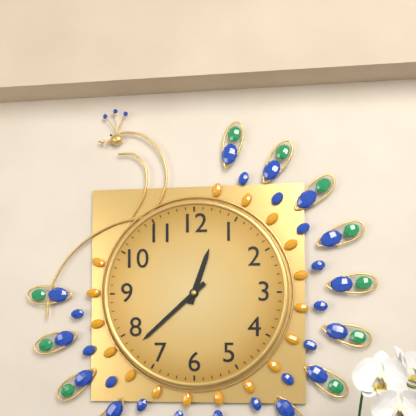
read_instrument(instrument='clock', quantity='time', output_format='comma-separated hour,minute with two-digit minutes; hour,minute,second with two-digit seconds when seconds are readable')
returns 12,38
